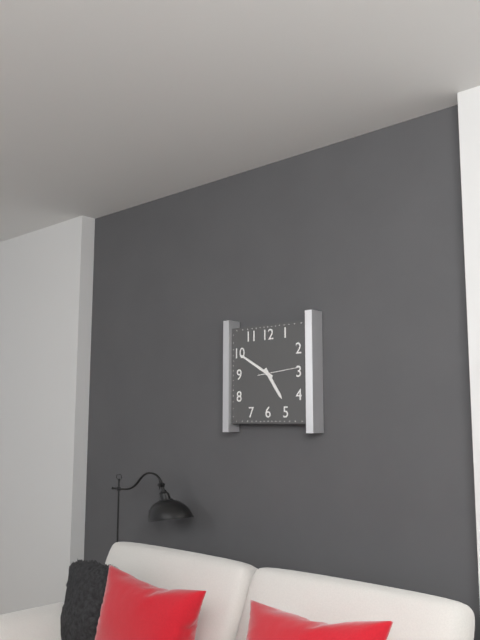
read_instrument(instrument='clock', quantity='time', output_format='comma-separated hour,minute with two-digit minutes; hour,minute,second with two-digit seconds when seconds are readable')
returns 4,50
